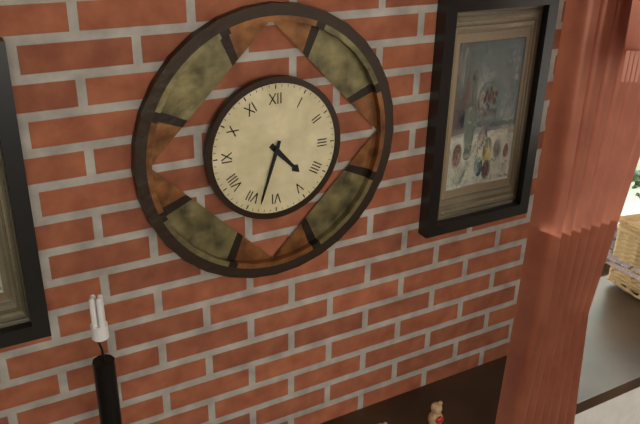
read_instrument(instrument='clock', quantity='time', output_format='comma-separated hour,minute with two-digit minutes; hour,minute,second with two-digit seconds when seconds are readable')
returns 4,33
